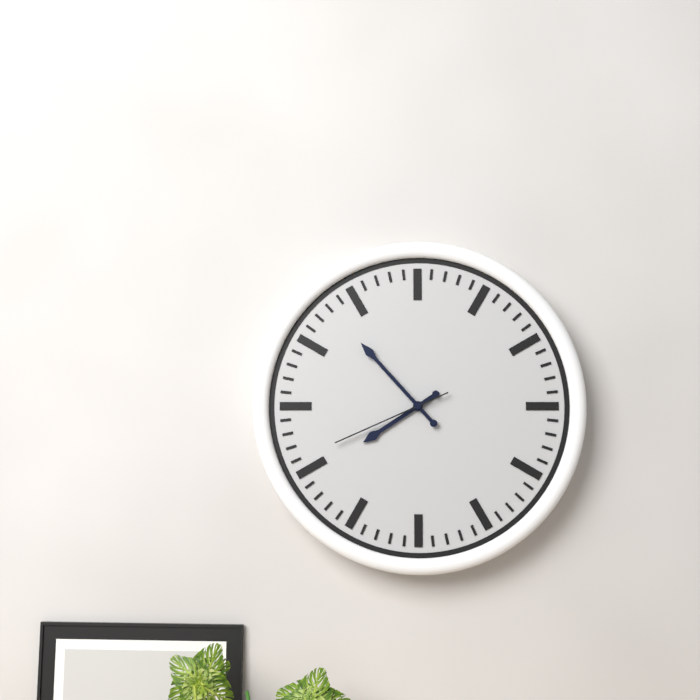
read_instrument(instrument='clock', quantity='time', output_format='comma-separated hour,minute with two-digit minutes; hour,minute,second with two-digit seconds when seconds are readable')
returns 7,53,41
